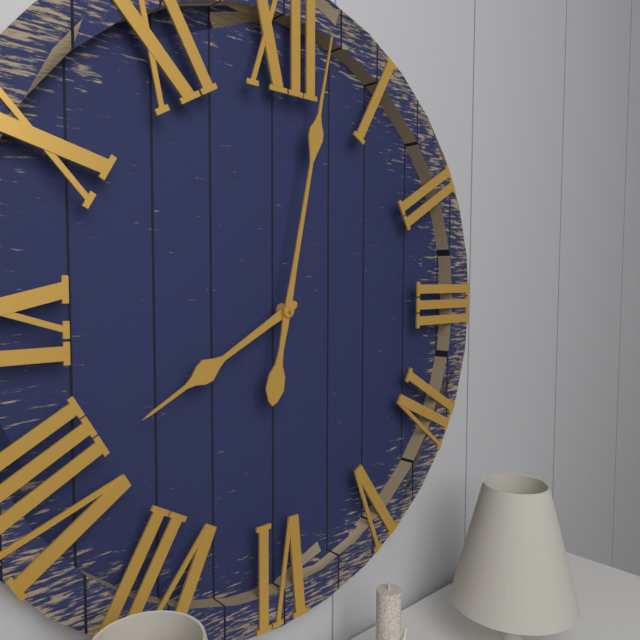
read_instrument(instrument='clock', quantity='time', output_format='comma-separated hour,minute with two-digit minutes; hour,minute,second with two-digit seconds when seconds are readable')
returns 8,02
